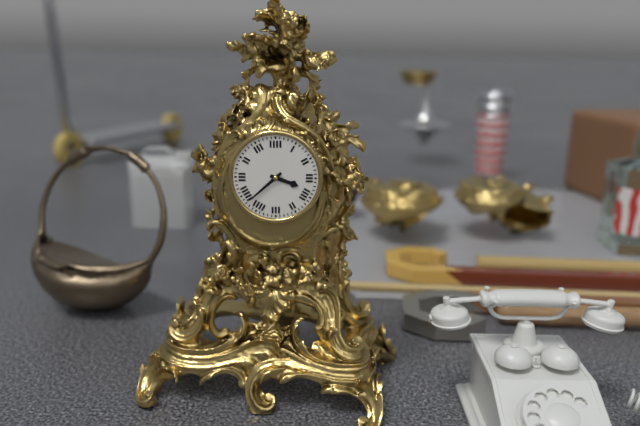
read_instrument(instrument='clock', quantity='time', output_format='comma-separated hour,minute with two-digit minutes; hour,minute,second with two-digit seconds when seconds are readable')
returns 3,38
